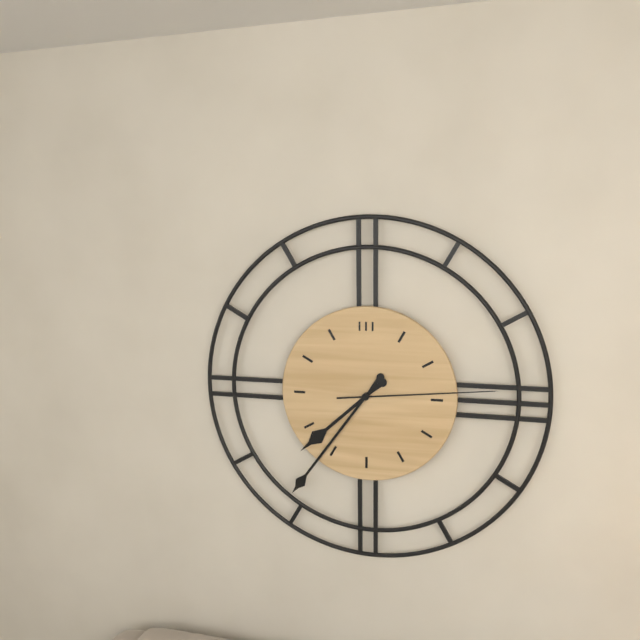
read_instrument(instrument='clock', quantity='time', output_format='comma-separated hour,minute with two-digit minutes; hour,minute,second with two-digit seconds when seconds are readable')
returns 7,36,14
